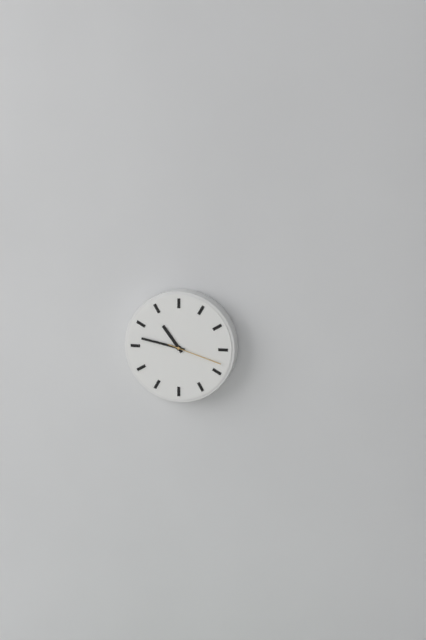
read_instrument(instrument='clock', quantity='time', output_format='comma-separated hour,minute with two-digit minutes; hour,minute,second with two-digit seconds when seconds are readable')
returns 10,47,18
